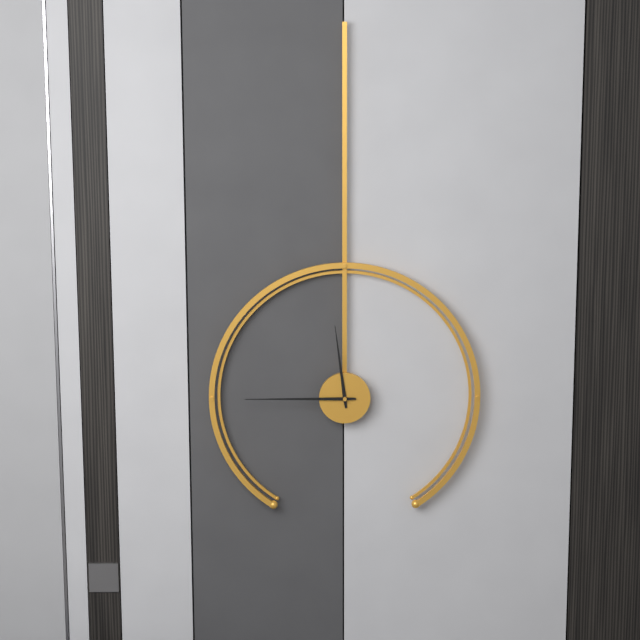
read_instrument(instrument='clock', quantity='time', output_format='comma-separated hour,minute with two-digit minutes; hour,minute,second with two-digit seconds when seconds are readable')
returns 11,45
